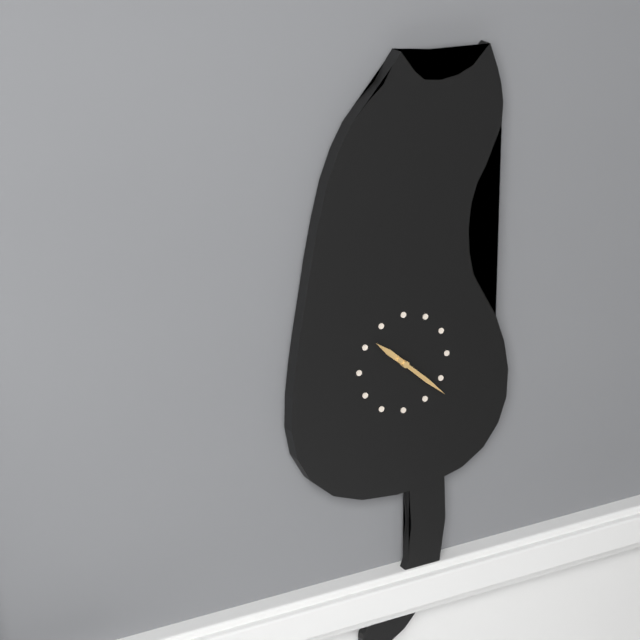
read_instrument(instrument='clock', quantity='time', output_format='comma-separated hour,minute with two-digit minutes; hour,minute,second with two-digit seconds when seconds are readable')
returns 10,22
